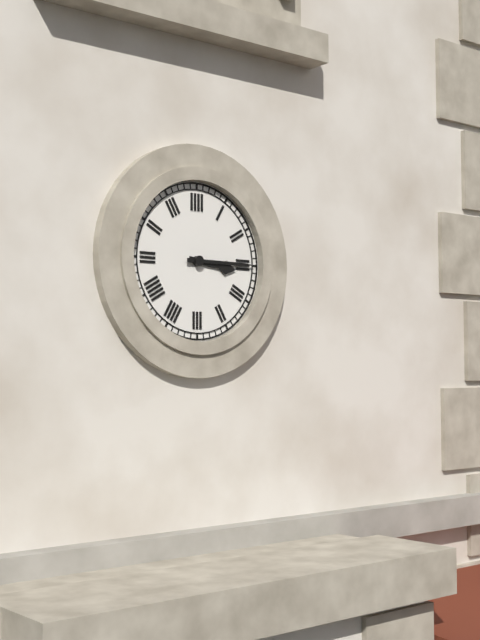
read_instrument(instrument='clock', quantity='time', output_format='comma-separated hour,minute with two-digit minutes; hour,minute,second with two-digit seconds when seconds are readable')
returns 3,15
